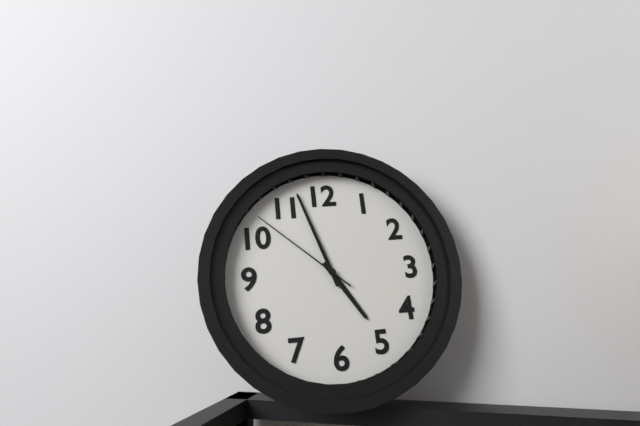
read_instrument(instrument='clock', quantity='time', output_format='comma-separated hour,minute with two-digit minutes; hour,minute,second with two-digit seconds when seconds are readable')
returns 4,57,52
